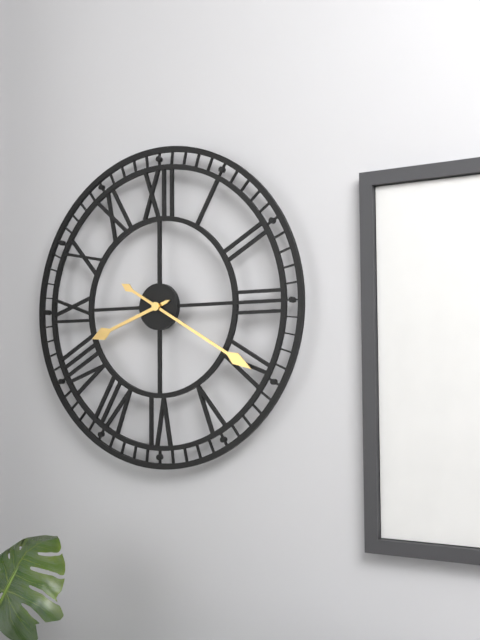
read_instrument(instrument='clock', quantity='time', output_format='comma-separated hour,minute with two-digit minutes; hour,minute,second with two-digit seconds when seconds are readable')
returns 8,20
